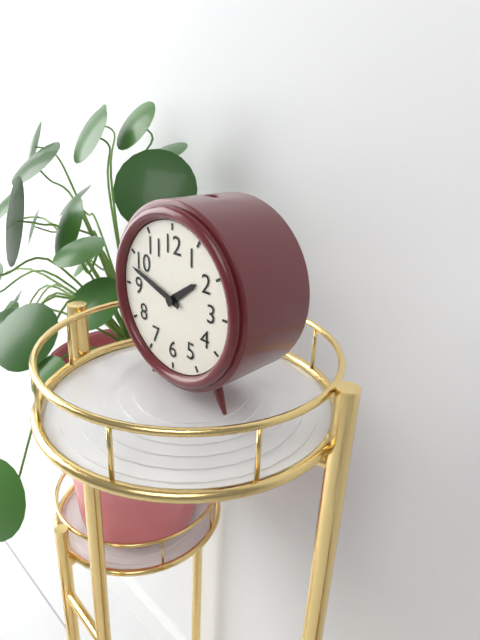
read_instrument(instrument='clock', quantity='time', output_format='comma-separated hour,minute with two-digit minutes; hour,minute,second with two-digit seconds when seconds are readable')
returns 1,48
